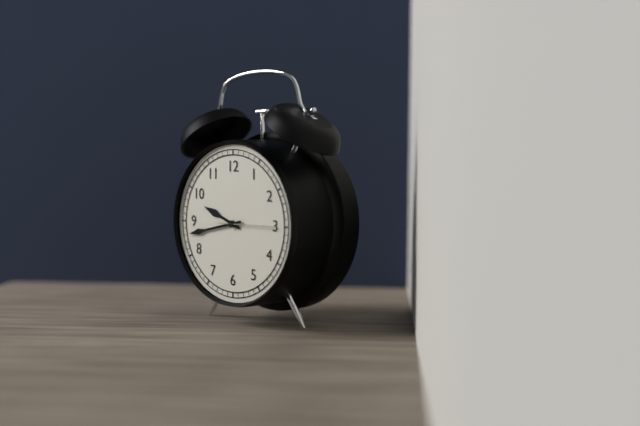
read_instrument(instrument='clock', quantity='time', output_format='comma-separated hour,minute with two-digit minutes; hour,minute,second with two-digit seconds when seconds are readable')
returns 9,43,15
